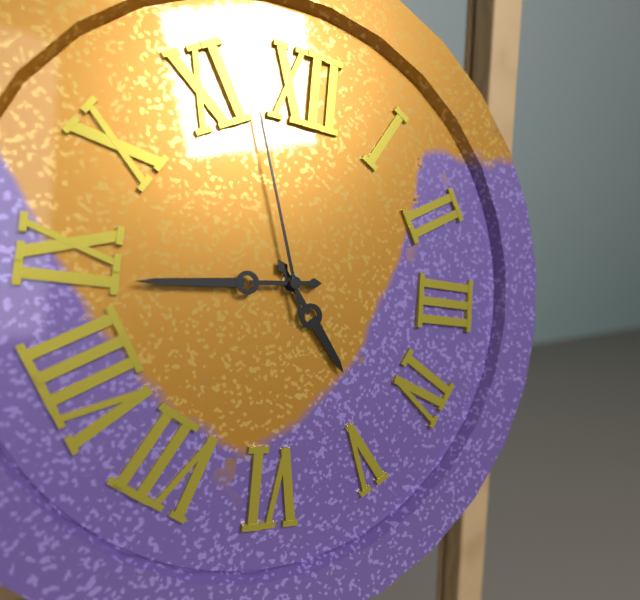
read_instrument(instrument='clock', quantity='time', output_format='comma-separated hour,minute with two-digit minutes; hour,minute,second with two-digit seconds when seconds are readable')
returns 4,44,57
